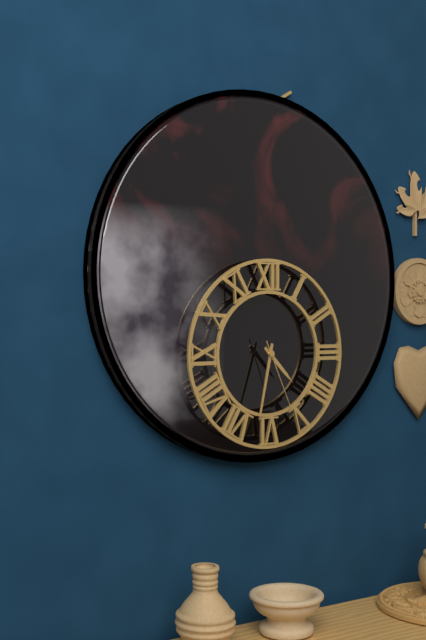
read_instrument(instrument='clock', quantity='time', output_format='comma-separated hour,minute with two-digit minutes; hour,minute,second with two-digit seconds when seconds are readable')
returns 4,32,26
